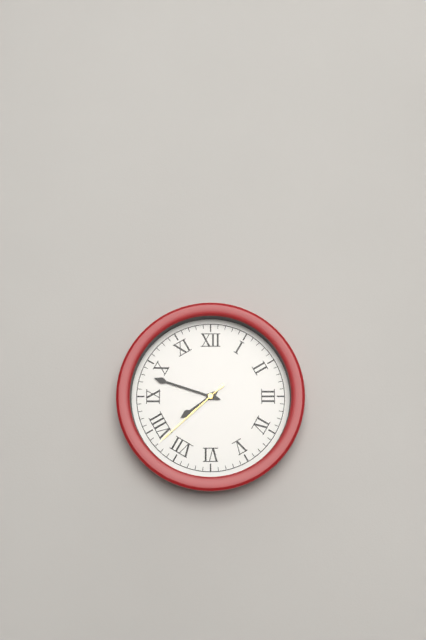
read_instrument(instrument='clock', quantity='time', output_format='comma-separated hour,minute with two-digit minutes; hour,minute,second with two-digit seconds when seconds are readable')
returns 7,48,38
